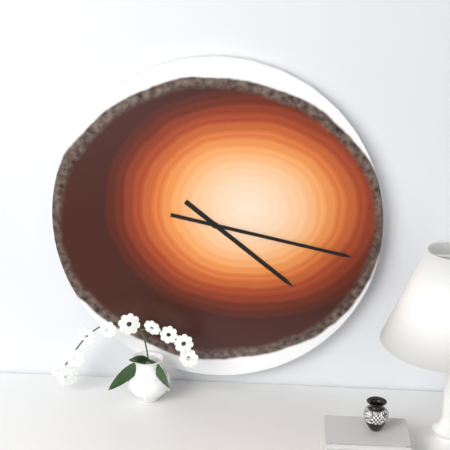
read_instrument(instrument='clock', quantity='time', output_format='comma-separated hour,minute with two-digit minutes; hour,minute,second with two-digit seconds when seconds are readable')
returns 4,17
